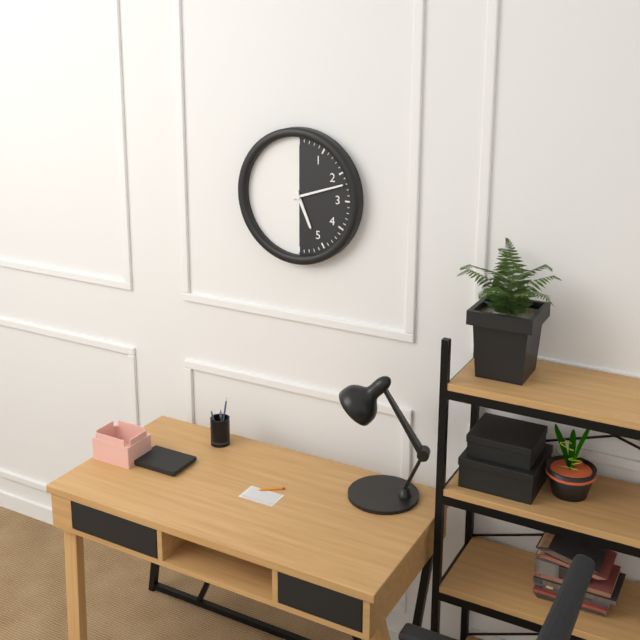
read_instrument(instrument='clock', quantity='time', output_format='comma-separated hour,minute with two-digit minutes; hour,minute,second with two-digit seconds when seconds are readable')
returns 5,12
